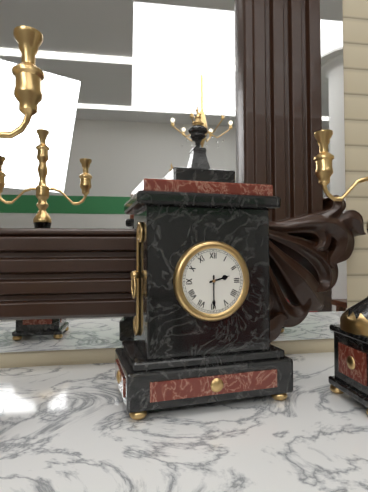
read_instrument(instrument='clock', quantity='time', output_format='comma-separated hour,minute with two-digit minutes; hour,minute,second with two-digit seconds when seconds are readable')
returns 2,30
